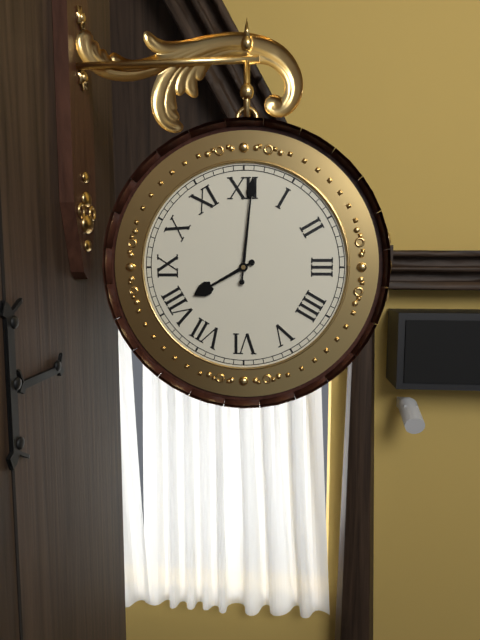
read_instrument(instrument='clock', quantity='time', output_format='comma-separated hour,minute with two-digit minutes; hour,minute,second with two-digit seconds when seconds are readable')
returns 8,01
